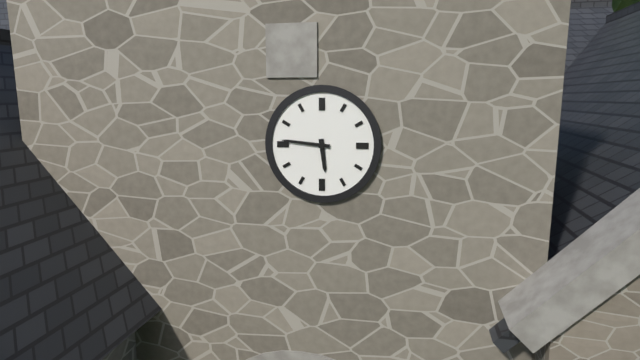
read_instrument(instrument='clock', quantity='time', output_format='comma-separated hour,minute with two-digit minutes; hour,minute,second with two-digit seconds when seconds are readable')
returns 5,46
